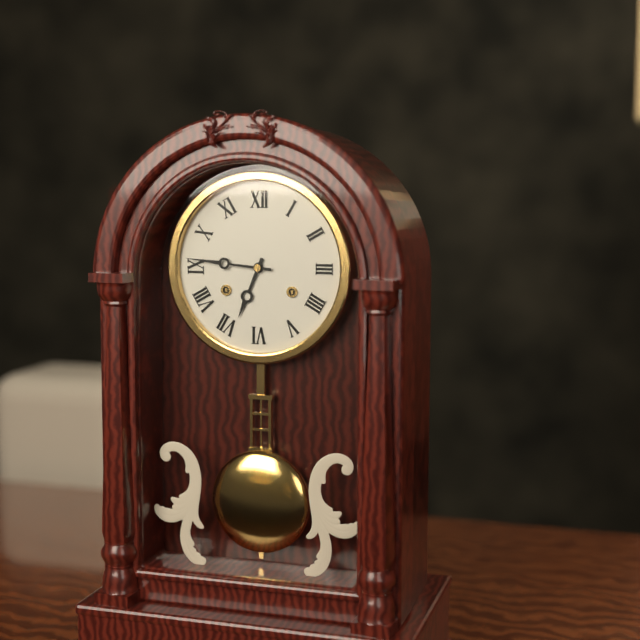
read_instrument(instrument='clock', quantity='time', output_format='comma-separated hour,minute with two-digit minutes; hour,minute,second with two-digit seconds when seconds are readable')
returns 6,46
